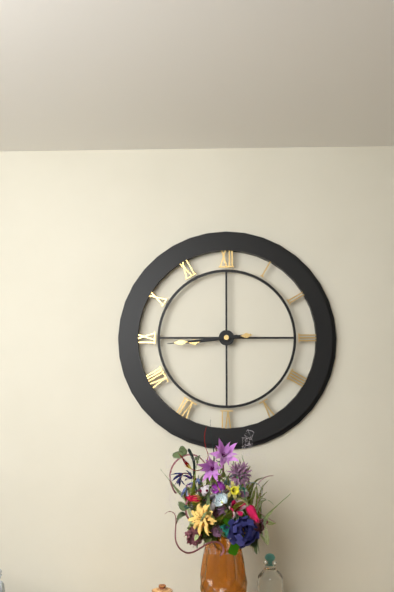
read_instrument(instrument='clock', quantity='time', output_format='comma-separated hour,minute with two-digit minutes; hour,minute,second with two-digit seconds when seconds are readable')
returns 8,44
